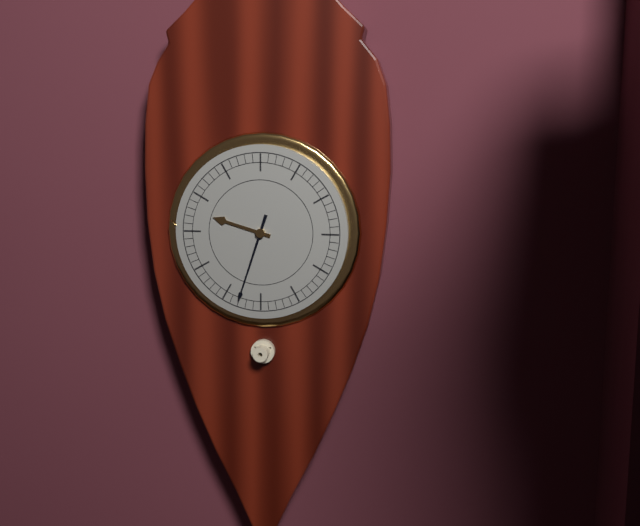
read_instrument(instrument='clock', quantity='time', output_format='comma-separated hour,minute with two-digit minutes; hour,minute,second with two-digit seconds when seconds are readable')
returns 9,33
